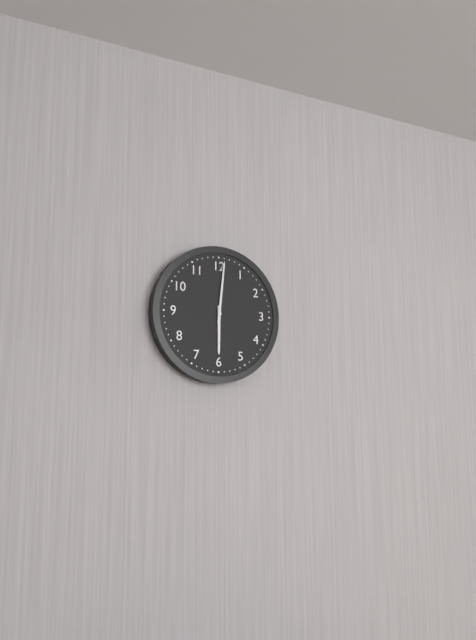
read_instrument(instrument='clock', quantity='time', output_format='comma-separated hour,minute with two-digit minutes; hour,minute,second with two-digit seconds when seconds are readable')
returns 6,01
